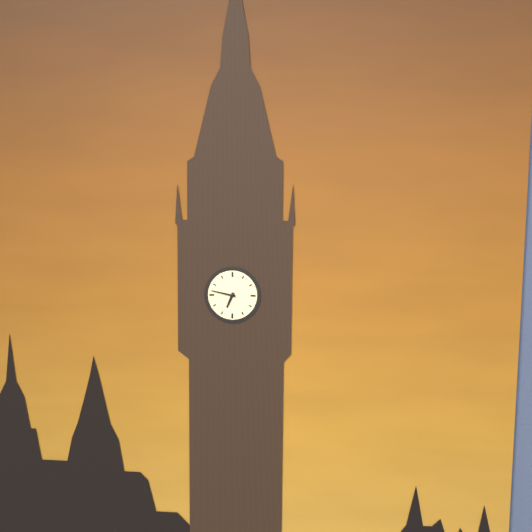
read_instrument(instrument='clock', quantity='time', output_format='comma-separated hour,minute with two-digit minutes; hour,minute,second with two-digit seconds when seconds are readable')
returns 6,47
